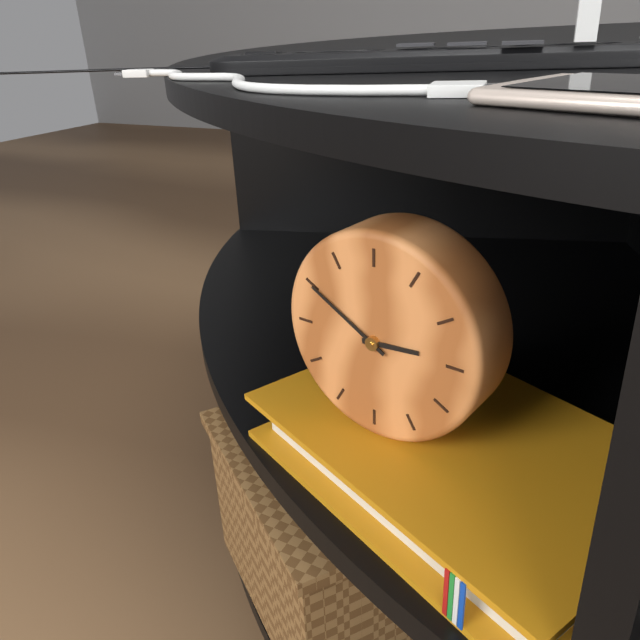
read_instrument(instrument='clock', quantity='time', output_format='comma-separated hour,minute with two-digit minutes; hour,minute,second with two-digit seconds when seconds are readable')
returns 2,50
